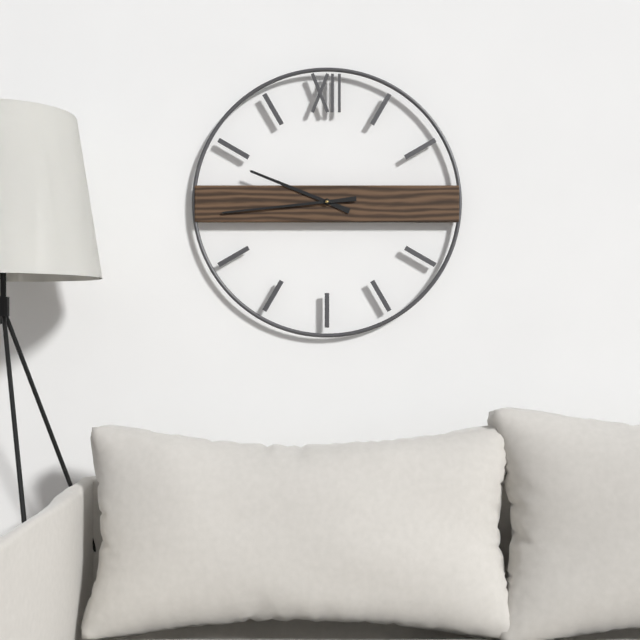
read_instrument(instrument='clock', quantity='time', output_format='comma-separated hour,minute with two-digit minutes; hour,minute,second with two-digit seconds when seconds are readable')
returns 9,44
